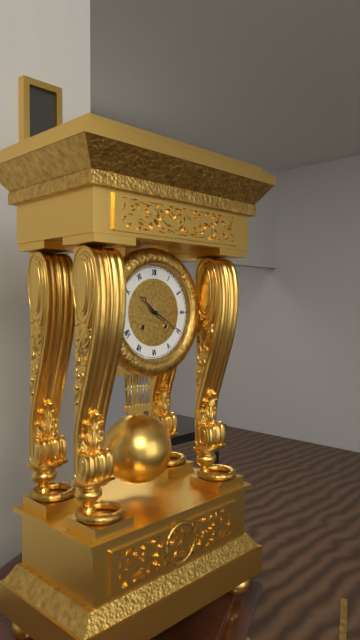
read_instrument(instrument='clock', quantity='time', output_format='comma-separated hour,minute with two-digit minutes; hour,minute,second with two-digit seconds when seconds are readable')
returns 10,20
